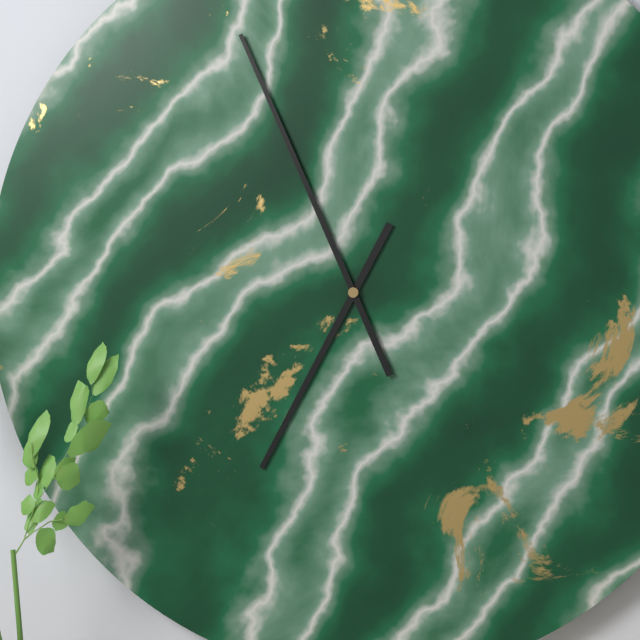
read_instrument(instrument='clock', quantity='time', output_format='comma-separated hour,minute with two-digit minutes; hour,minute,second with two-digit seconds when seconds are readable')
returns 6,56
